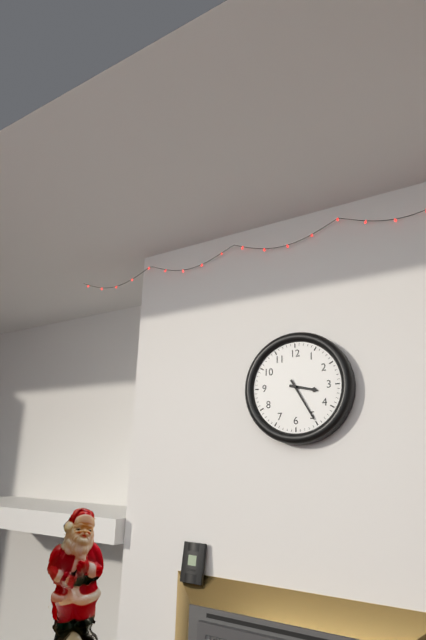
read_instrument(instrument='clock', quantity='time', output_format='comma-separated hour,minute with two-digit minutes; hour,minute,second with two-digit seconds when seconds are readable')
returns 3,25
